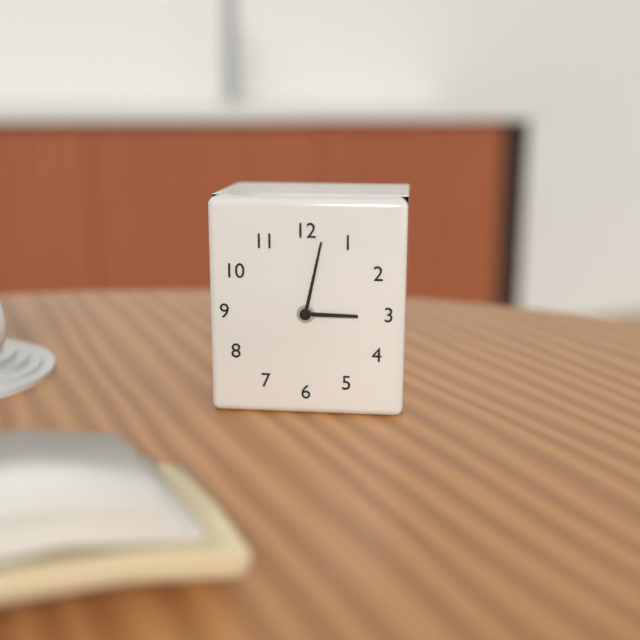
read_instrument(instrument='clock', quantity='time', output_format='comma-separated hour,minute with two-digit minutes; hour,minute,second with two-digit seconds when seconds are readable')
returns 3,02
